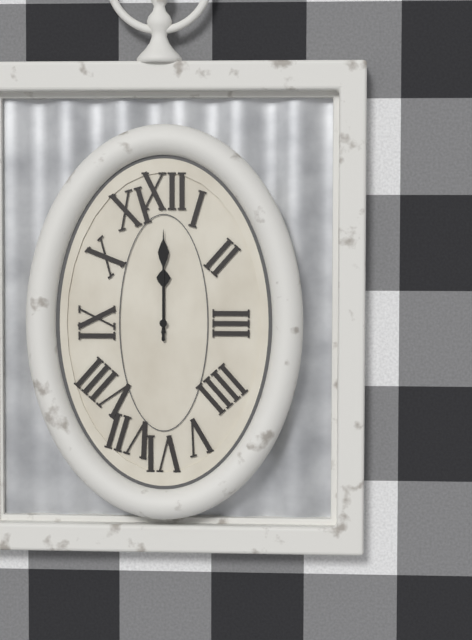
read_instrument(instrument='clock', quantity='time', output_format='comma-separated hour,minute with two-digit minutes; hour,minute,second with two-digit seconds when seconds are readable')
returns 12,00
